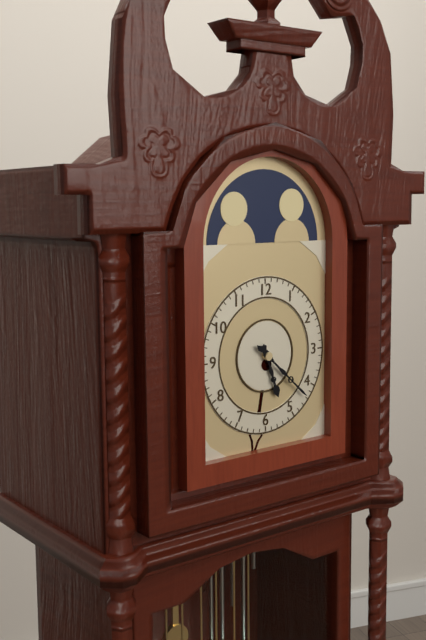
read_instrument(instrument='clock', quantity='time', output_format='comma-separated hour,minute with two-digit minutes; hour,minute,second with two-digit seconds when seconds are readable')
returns 5,22
